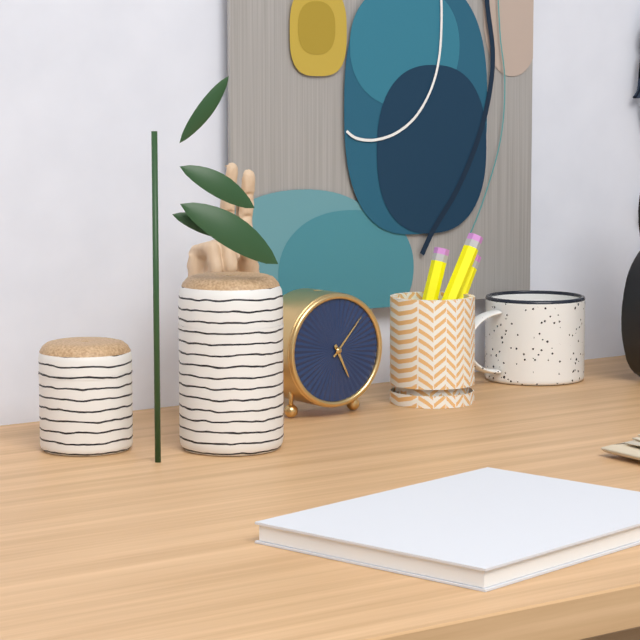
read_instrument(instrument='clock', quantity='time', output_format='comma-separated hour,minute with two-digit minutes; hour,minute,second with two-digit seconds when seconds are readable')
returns 5,07
